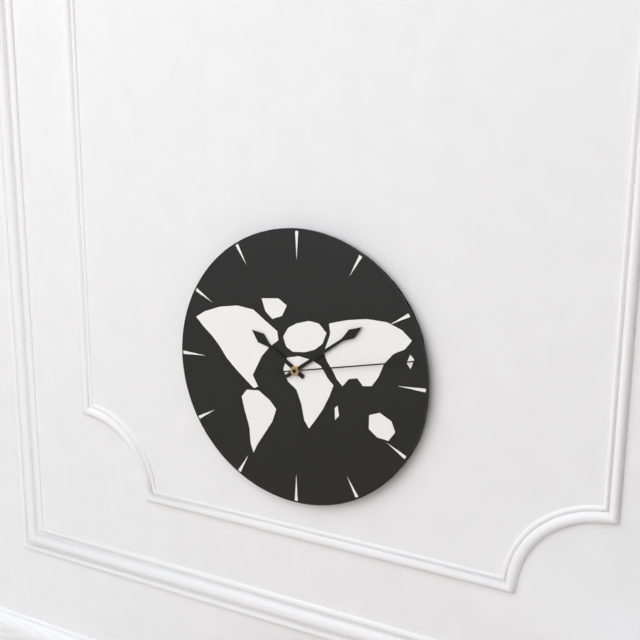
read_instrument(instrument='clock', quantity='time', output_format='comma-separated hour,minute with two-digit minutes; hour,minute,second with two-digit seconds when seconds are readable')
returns 10,09,13
